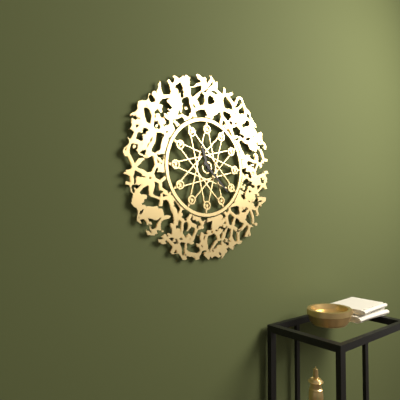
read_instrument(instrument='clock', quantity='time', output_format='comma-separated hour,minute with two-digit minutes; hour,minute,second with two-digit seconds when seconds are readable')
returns 11,22
